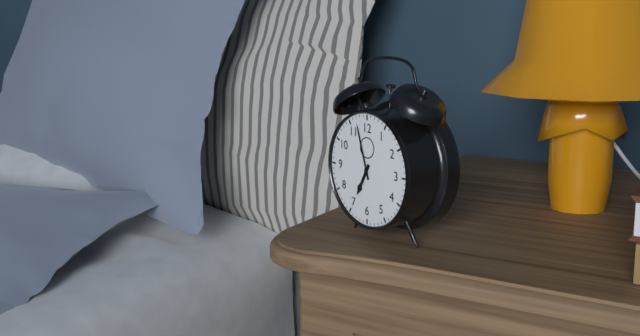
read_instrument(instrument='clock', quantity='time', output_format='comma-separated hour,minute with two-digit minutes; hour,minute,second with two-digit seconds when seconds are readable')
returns 6,57
